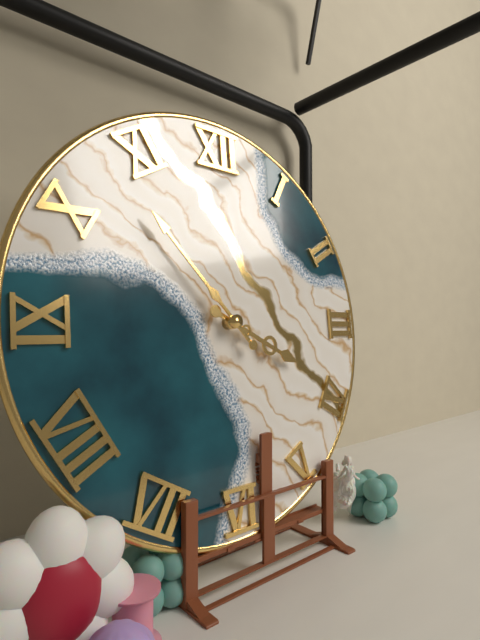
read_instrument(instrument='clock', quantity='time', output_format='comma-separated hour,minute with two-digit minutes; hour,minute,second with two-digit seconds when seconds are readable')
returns 3,53
